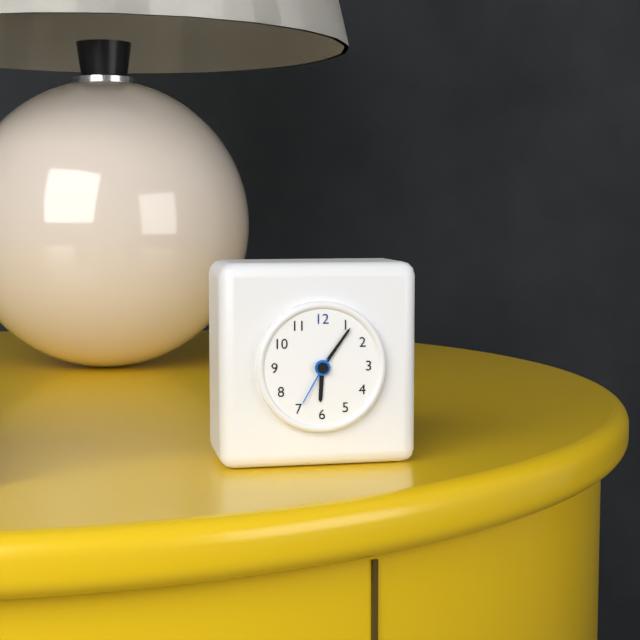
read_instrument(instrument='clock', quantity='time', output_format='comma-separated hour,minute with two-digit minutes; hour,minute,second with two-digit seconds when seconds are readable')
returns 6,06,35
